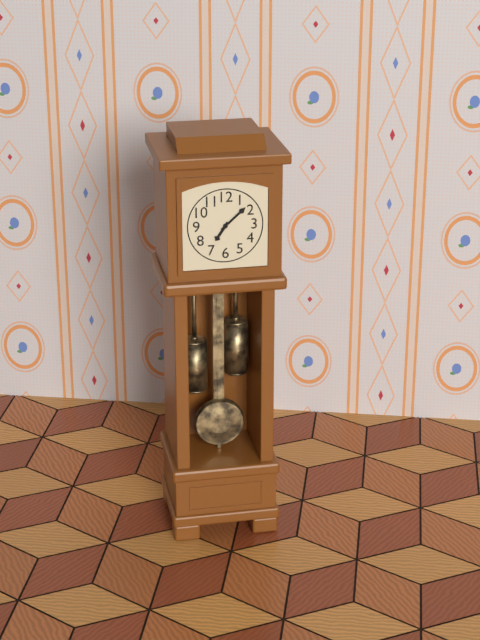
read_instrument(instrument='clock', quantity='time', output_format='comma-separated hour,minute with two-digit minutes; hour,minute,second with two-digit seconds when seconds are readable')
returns 7,08
